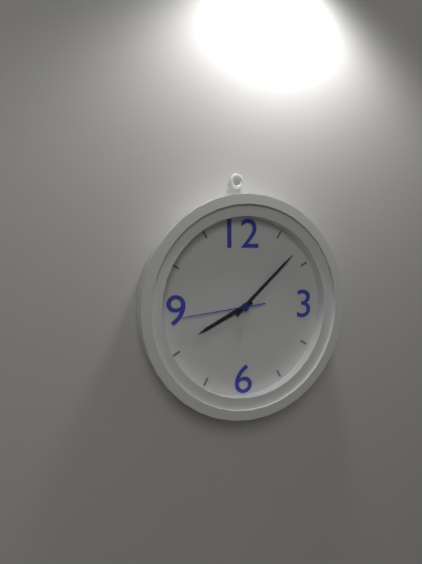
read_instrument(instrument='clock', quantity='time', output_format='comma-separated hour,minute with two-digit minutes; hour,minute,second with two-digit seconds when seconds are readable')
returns 8,08,44
